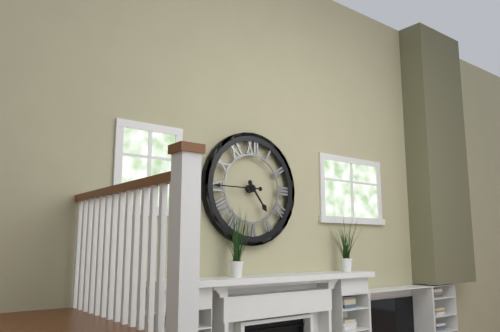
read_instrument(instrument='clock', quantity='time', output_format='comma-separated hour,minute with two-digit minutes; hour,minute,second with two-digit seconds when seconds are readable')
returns 4,45
